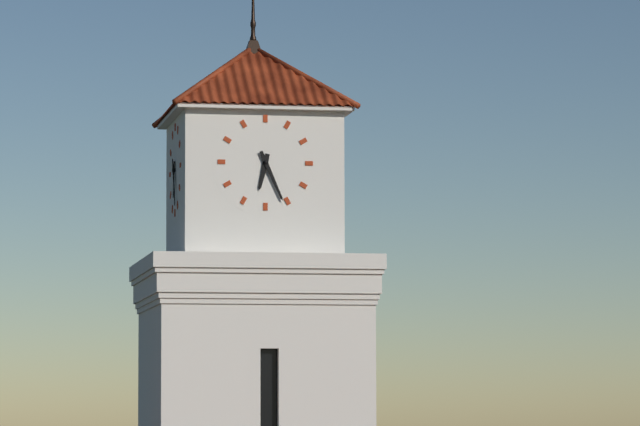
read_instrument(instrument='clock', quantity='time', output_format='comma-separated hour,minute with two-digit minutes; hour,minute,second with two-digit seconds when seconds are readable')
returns 6,26
